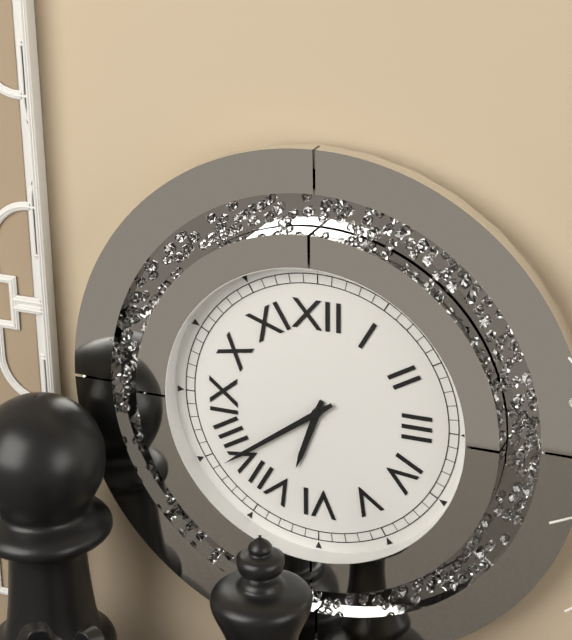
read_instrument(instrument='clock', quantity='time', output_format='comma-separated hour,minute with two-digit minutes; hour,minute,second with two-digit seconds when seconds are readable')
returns 6,39
